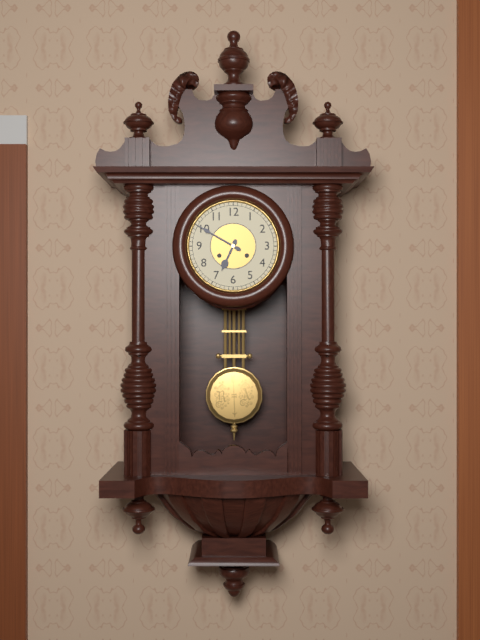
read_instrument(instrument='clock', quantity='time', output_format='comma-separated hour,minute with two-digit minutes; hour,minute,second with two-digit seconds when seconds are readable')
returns 6,50
